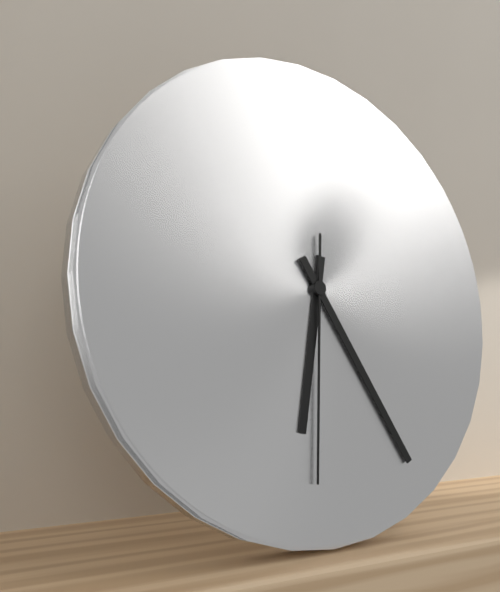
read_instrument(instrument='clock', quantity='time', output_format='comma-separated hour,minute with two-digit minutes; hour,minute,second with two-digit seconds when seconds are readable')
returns 6,25,31
